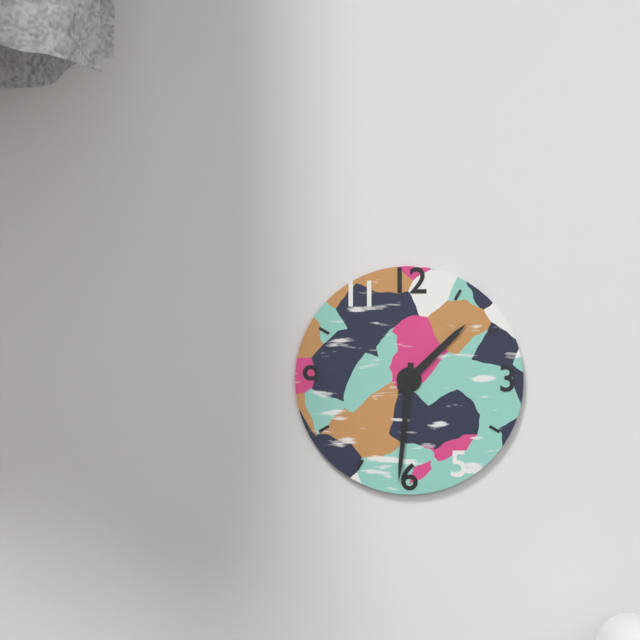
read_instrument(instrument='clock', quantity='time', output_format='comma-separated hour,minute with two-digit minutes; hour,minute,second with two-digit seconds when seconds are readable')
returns 1,31
